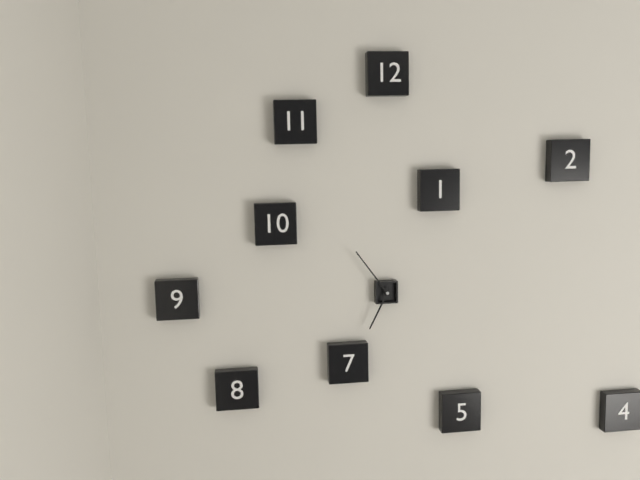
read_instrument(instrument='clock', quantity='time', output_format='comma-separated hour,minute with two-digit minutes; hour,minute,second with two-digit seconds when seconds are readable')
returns 6,54
